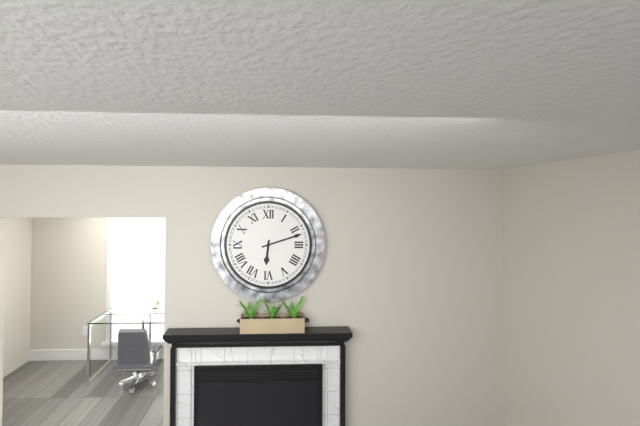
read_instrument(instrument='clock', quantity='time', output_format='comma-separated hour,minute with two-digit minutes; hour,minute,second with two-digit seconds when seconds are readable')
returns 6,12
